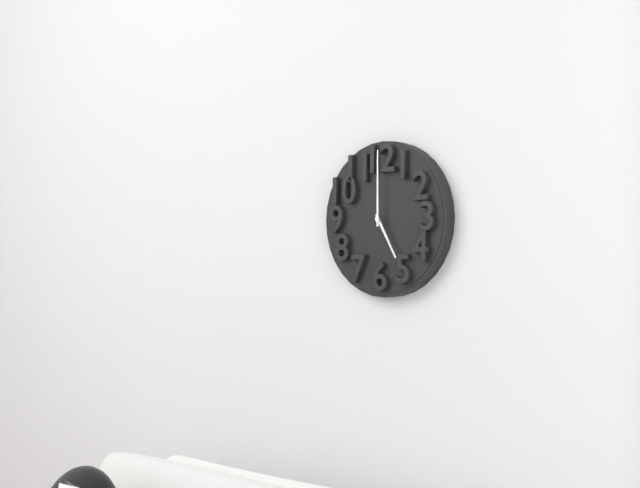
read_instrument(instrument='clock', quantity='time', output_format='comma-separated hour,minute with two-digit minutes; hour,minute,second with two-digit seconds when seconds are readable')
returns 5,00
